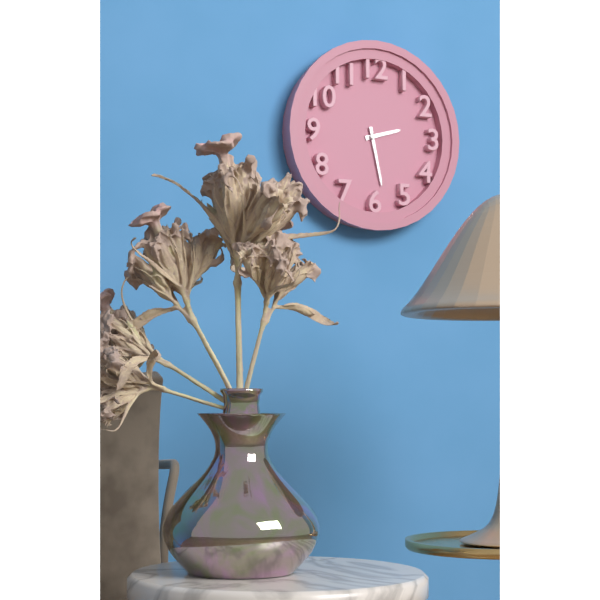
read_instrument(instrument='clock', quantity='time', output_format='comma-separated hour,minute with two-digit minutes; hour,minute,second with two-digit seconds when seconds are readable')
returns 2,28
